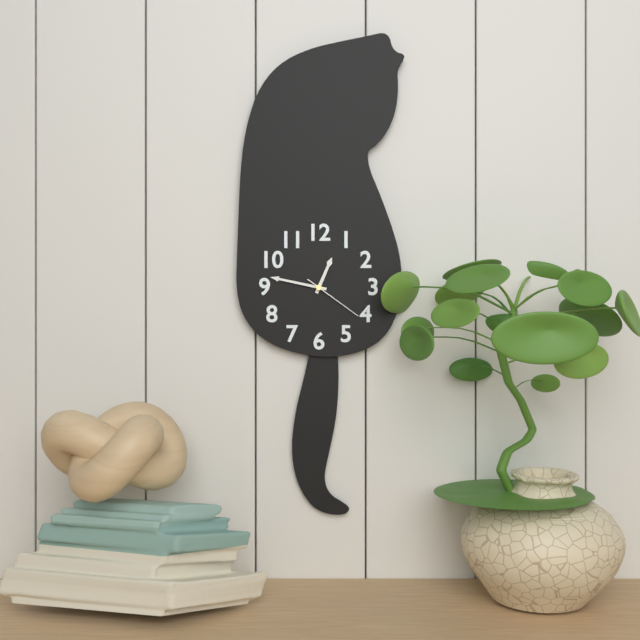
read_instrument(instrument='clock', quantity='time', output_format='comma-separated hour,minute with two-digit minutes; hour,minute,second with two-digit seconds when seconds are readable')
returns 12,47,21
